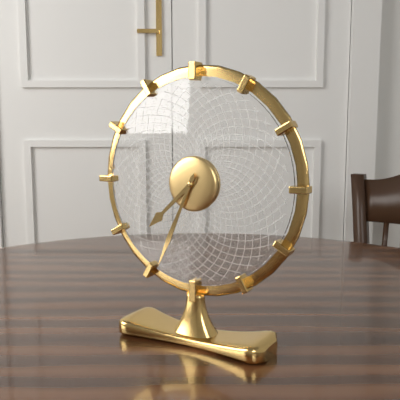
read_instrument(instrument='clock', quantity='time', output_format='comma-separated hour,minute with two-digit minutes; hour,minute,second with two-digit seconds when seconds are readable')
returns 7,34
